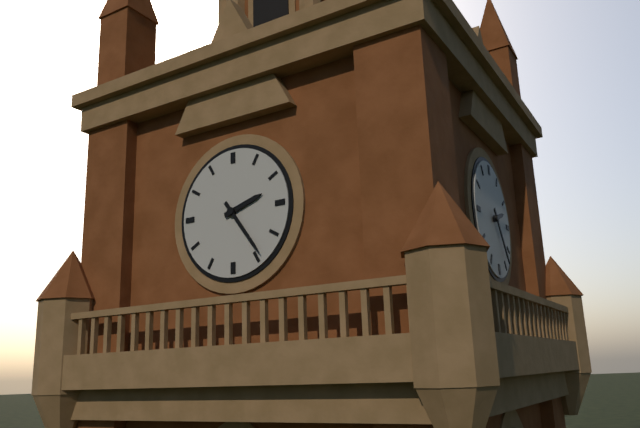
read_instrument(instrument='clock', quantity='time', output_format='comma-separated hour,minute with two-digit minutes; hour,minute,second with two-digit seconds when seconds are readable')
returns 2,24
